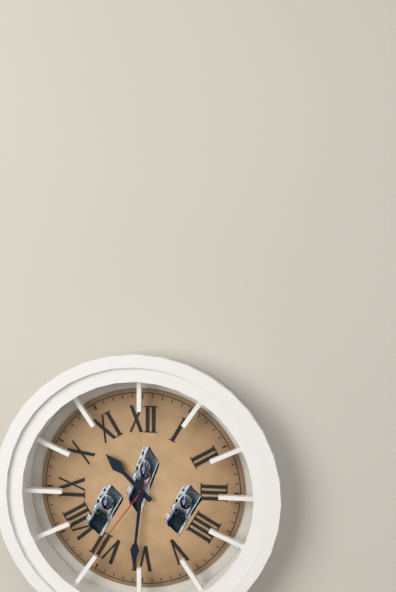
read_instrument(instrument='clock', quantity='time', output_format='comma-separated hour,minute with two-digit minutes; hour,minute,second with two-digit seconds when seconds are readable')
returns 10,31,36
